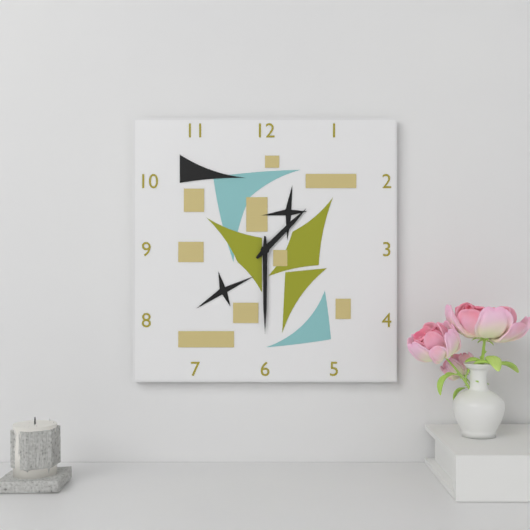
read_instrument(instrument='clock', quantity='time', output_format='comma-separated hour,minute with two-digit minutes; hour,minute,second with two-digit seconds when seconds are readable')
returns 1,30
